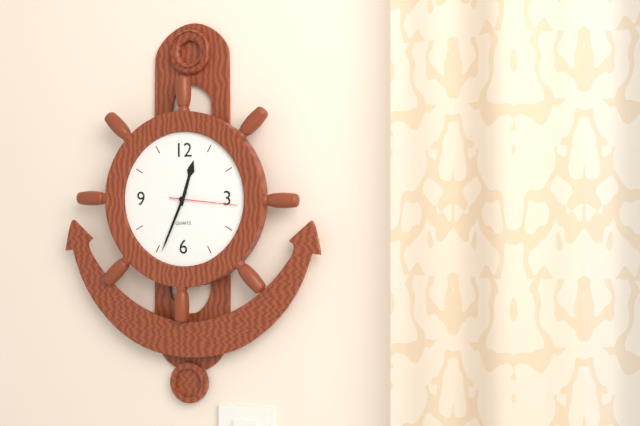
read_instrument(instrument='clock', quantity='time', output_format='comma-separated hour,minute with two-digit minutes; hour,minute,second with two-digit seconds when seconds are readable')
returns 12,34,16
